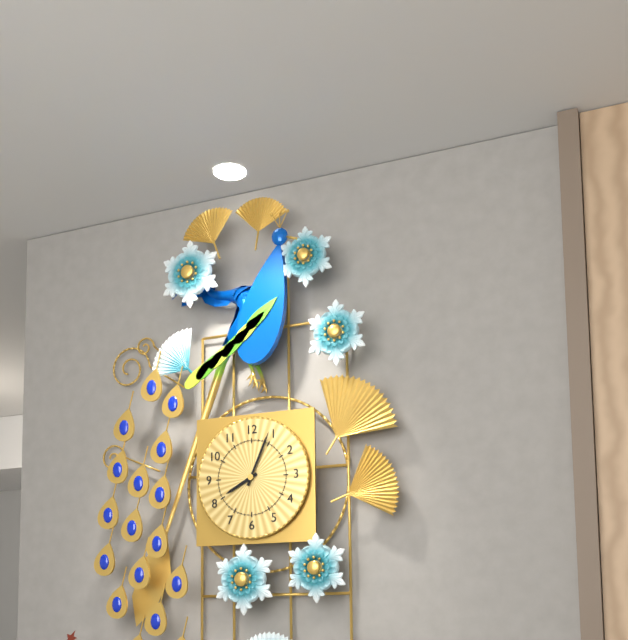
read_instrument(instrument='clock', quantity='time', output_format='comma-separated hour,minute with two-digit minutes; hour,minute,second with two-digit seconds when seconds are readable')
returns 8,04
